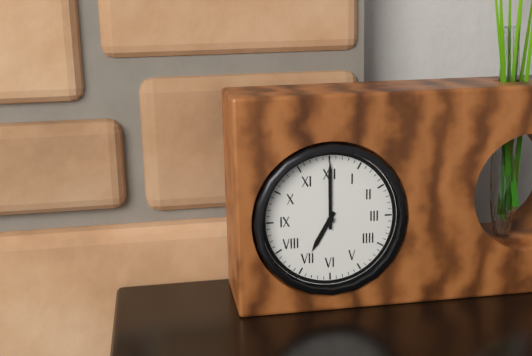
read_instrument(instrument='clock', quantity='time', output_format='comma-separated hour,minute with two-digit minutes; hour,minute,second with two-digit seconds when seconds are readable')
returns 7,00
